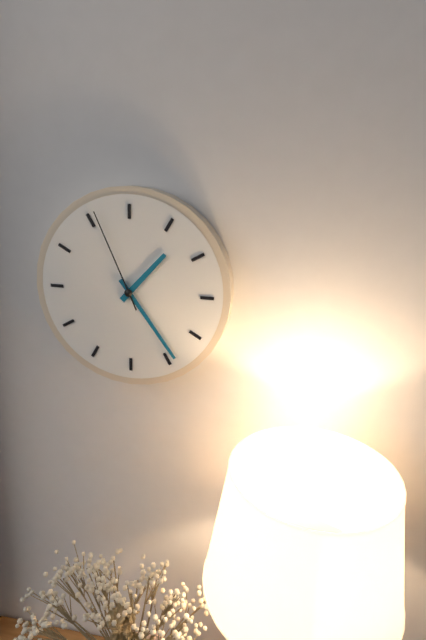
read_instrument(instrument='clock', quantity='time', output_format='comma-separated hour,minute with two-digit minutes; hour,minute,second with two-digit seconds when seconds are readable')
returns 1,24,56
